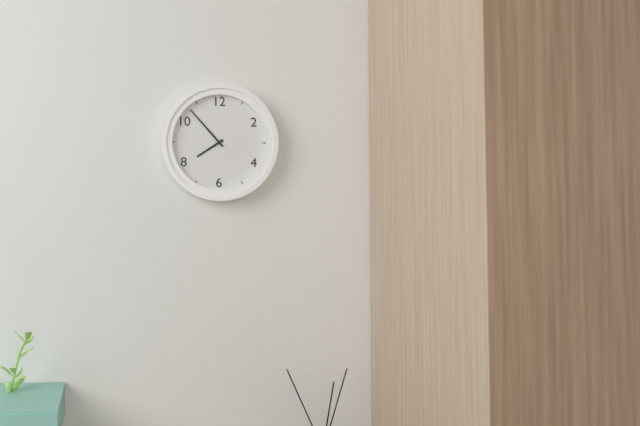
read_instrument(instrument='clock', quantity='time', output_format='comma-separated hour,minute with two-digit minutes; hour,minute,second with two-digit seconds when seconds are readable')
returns 7,53
